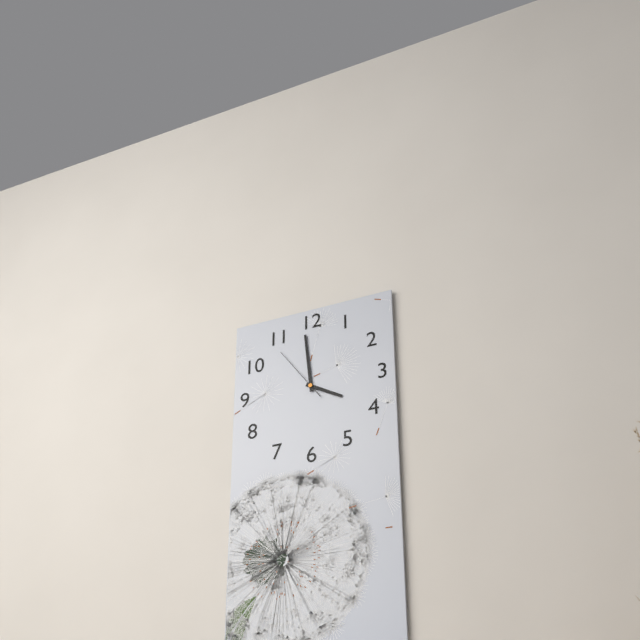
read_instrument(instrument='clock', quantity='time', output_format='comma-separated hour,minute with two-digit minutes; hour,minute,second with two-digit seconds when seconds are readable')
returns 3,59,54
